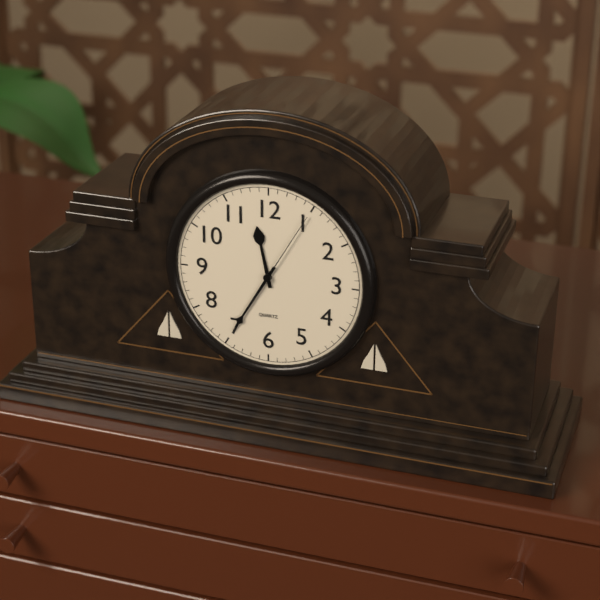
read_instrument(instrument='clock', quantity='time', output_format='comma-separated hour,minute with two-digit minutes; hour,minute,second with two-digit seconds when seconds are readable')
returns 11,35,05
